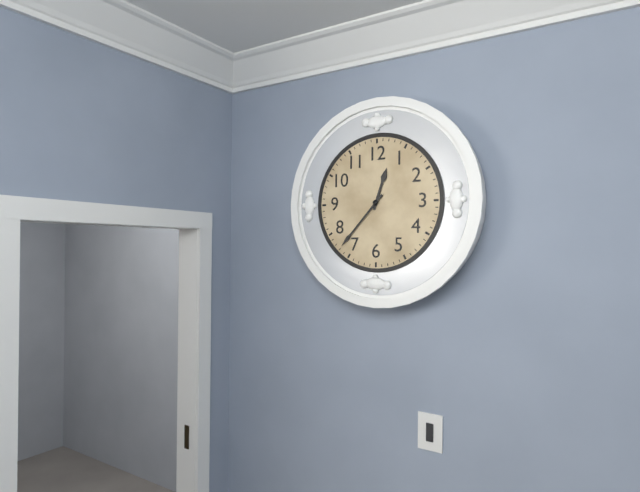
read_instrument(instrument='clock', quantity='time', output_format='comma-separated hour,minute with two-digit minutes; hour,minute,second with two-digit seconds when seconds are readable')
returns 12,37
